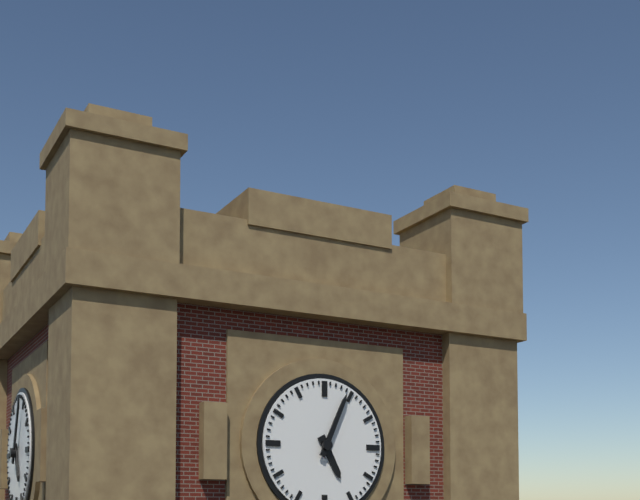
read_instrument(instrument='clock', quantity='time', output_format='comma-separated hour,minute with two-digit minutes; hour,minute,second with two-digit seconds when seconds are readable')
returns 5,04
